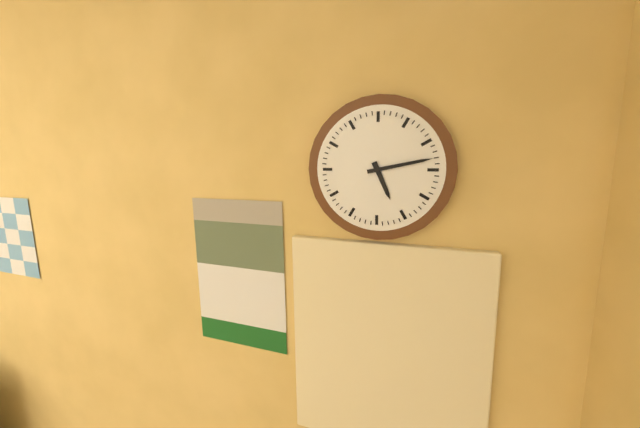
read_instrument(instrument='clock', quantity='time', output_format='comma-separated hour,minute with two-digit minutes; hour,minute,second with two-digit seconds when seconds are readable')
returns 5,13
